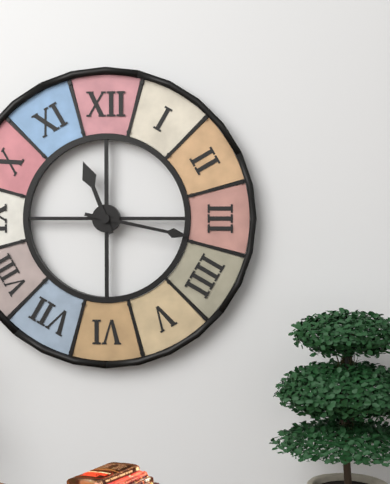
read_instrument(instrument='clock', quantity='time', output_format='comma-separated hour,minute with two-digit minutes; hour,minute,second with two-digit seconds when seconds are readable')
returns 11,17
